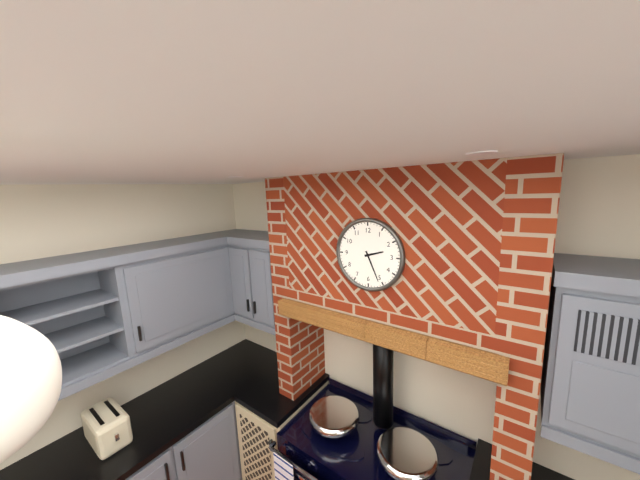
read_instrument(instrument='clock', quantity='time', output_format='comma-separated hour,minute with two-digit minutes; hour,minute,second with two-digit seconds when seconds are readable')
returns 2,26
